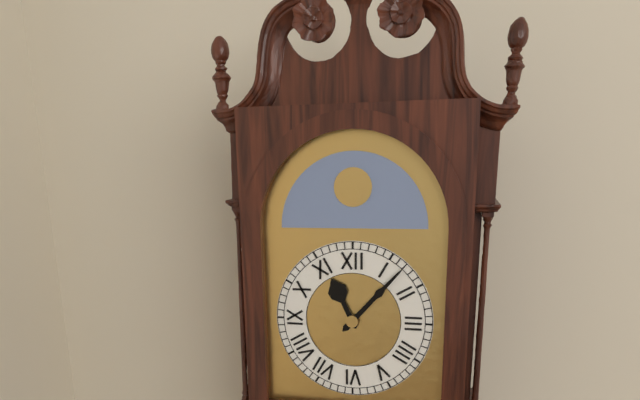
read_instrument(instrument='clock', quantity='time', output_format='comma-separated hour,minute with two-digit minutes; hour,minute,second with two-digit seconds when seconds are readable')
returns 11,07
